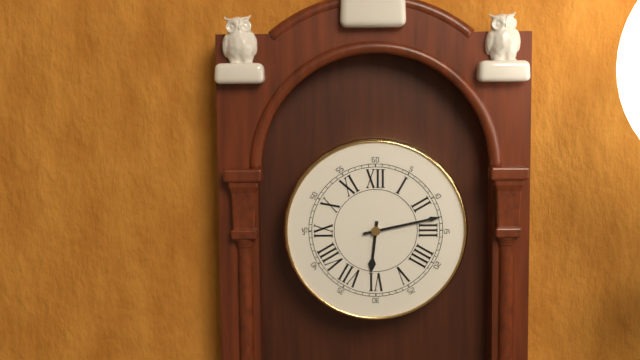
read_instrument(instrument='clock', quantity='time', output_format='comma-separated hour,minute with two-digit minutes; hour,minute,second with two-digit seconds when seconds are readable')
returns 6,13
